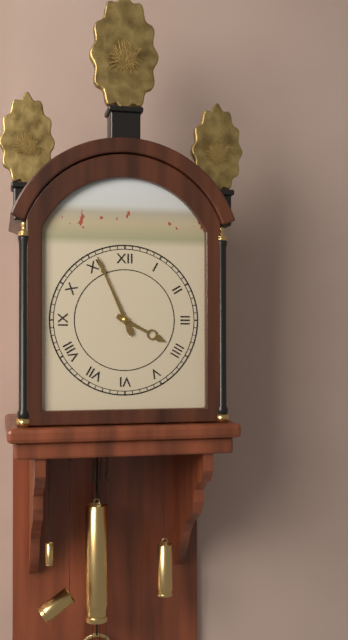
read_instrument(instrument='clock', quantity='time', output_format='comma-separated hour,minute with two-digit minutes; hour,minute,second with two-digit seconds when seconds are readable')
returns 3,56
